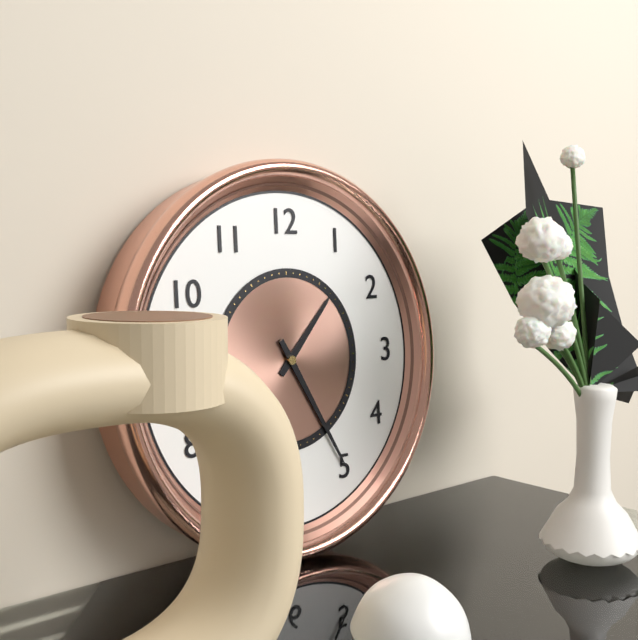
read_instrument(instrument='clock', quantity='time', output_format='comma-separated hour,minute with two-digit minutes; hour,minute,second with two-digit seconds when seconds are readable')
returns 1,25
